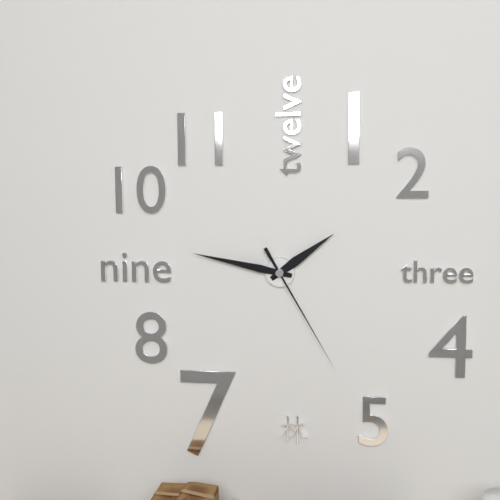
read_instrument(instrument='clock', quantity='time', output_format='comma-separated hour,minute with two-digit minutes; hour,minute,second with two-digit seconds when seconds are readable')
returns 1,47,25
